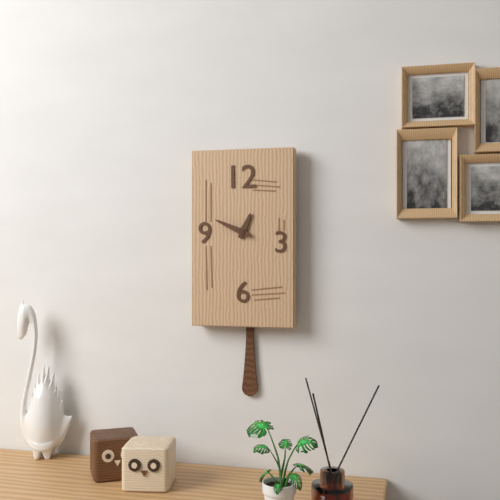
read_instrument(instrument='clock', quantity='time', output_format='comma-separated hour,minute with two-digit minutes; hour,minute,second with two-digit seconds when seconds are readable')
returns 12,49
